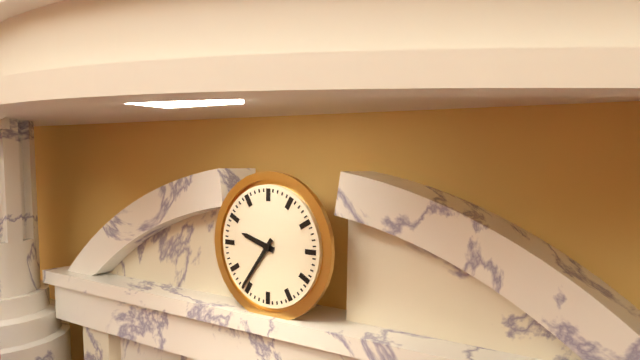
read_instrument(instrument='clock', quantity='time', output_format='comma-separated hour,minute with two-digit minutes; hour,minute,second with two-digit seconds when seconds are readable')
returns 9,36
